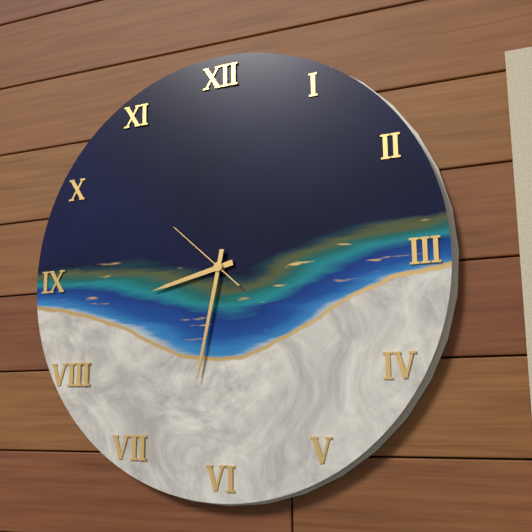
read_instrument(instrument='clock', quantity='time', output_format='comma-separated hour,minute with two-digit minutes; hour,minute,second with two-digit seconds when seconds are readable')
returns 8,32,52
